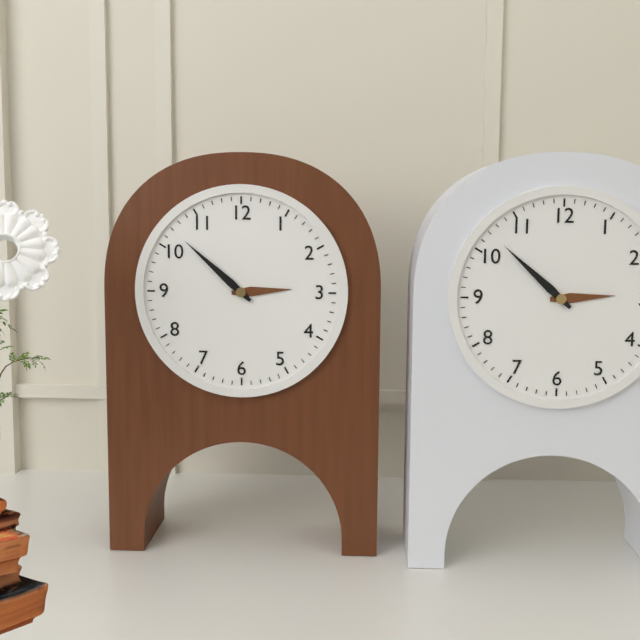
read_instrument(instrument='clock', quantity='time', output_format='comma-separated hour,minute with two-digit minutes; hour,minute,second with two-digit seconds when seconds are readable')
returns 2,52
